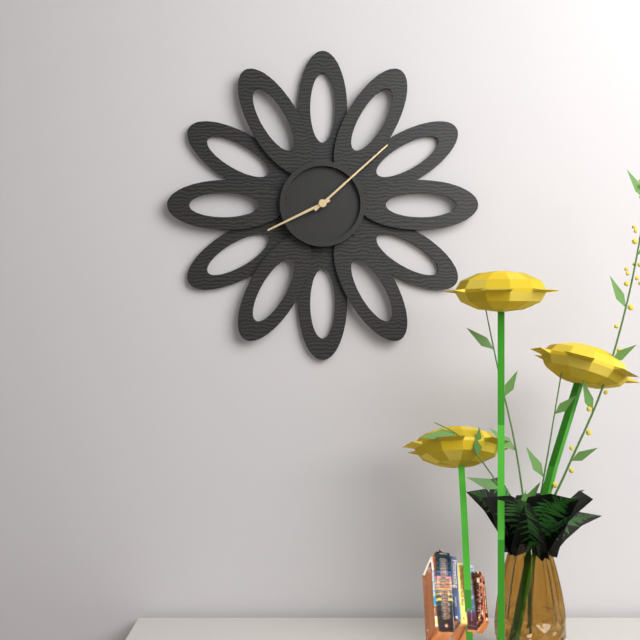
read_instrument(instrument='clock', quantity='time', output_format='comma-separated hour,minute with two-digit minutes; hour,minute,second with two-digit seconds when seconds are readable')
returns 8,08
